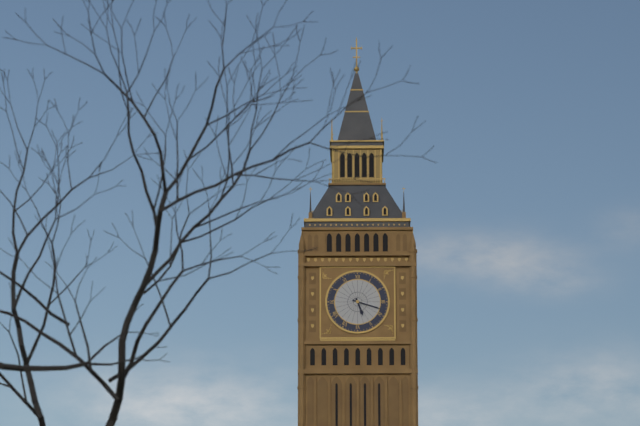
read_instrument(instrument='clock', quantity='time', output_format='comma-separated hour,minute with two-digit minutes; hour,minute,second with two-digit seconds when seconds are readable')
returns 5,18
